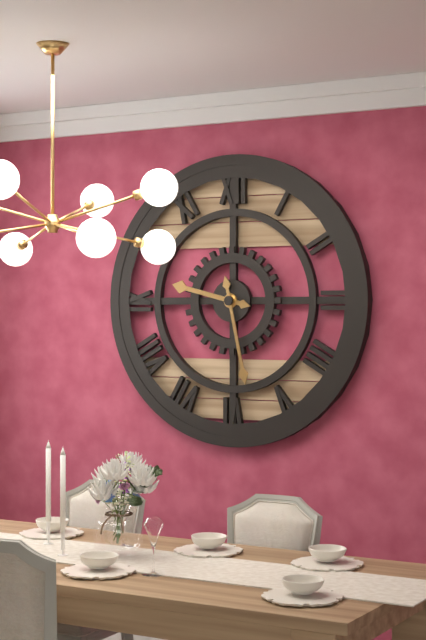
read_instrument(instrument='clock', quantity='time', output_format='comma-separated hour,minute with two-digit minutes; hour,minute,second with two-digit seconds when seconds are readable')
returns 9,28
